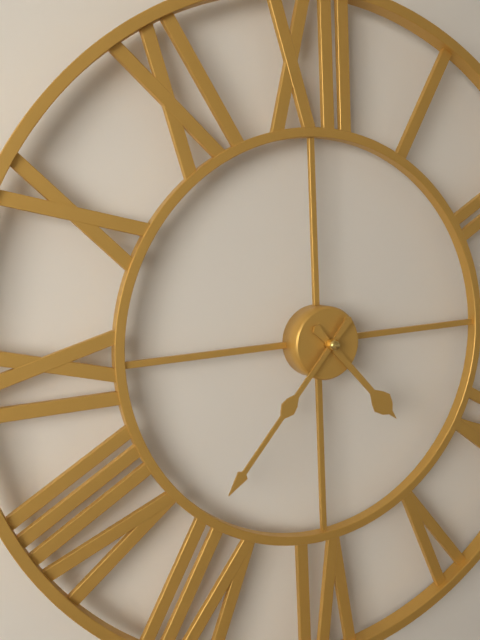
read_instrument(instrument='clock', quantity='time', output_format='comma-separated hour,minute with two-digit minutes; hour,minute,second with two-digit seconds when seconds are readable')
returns 4,37
